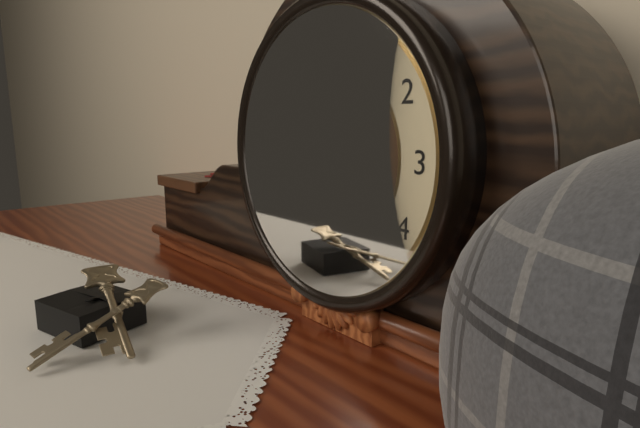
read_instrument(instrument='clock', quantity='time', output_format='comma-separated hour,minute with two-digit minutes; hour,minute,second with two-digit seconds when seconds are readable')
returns 1,24
